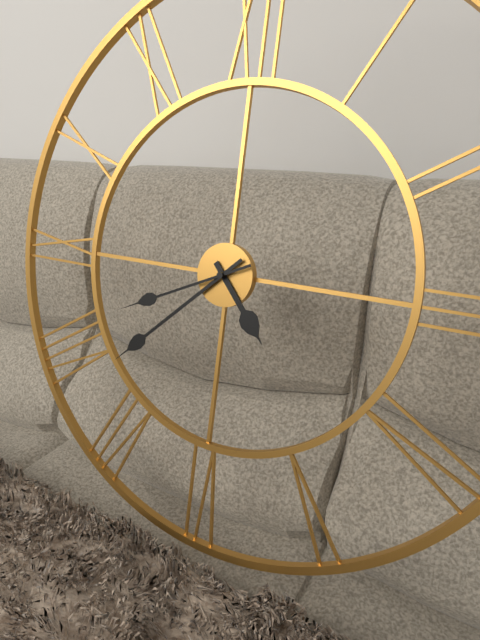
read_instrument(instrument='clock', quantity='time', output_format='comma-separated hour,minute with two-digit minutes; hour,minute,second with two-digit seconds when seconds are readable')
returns 4,38,41
